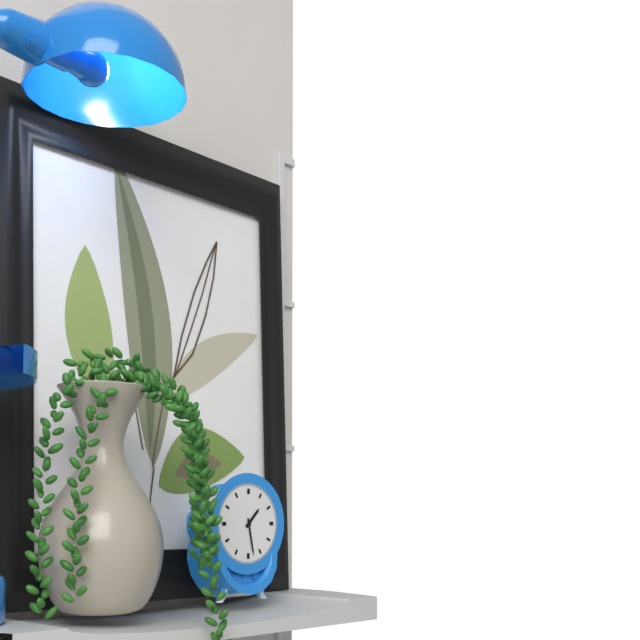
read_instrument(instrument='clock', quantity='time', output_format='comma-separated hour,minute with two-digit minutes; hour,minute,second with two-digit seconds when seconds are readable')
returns 1,28
